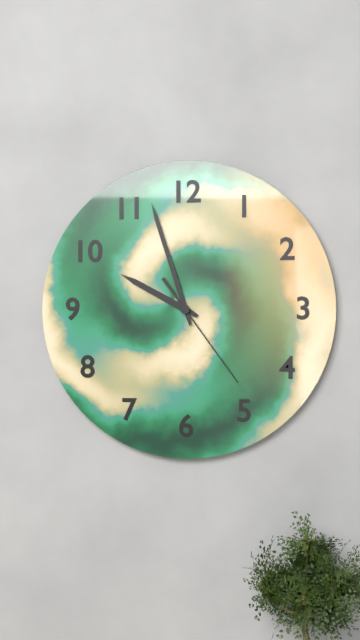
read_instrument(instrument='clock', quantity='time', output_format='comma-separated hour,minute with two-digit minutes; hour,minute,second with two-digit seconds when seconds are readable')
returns 9,57,24
